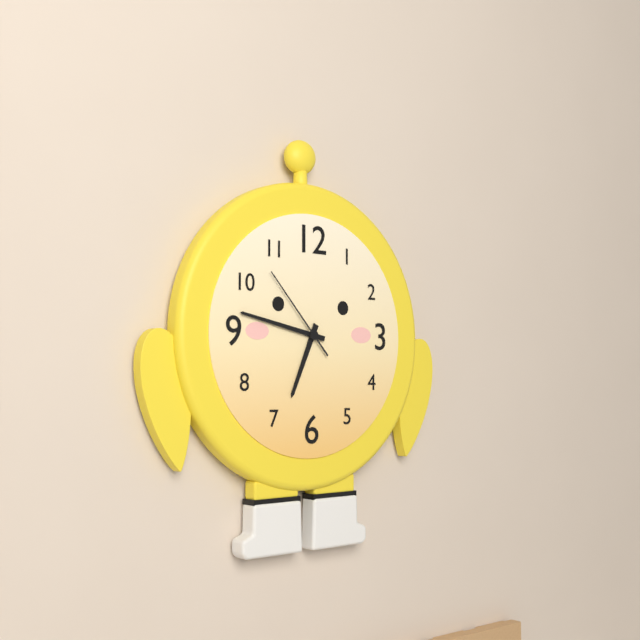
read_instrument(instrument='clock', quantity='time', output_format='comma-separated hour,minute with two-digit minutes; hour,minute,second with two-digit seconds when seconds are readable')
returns 6,47,53
